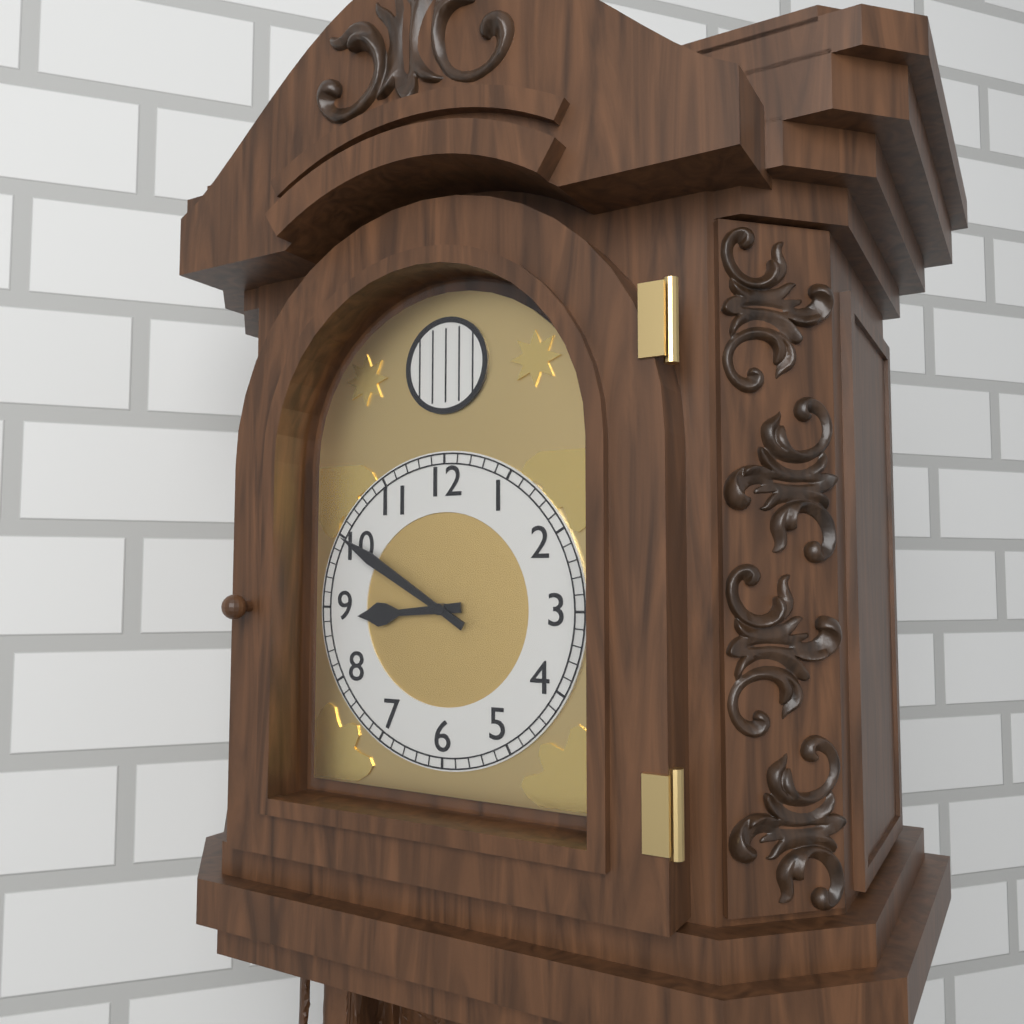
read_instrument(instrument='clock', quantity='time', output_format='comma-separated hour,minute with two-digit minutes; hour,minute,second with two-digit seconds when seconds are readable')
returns 8,50
